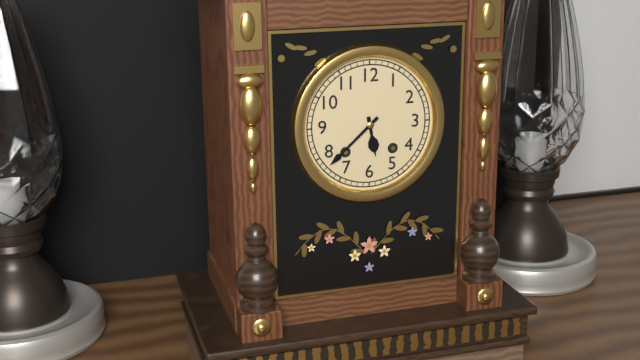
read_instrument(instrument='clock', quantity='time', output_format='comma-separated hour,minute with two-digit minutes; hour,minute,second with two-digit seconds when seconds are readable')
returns 5,38
